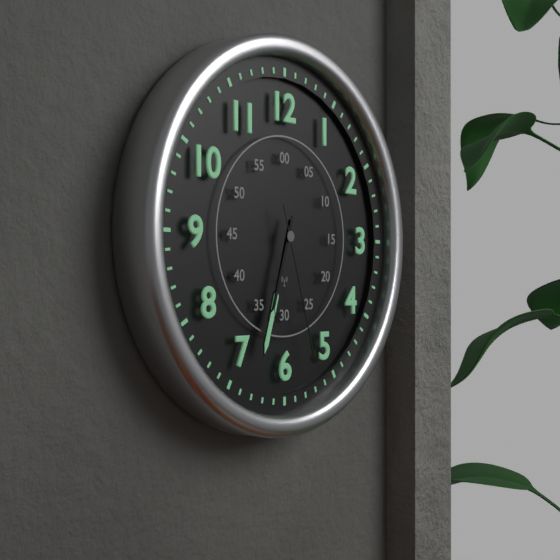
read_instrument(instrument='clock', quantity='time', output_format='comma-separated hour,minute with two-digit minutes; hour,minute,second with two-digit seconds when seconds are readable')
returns 6,33,27
